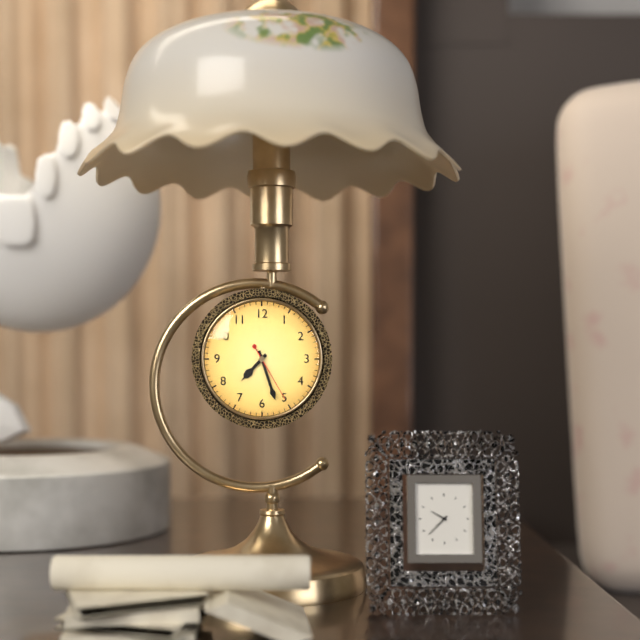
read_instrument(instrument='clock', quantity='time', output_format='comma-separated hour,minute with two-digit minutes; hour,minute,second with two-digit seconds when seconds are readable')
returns 7,27,25
